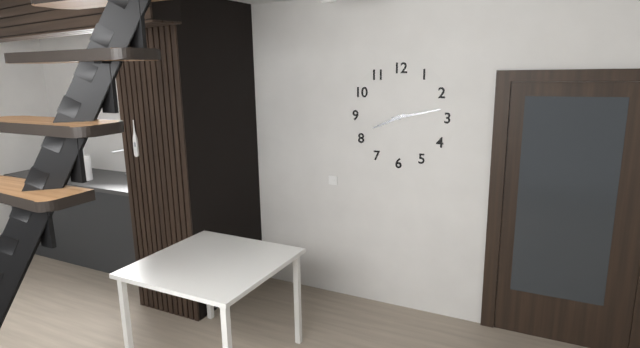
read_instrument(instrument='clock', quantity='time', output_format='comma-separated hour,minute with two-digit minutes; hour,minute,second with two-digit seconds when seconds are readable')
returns 8,13
